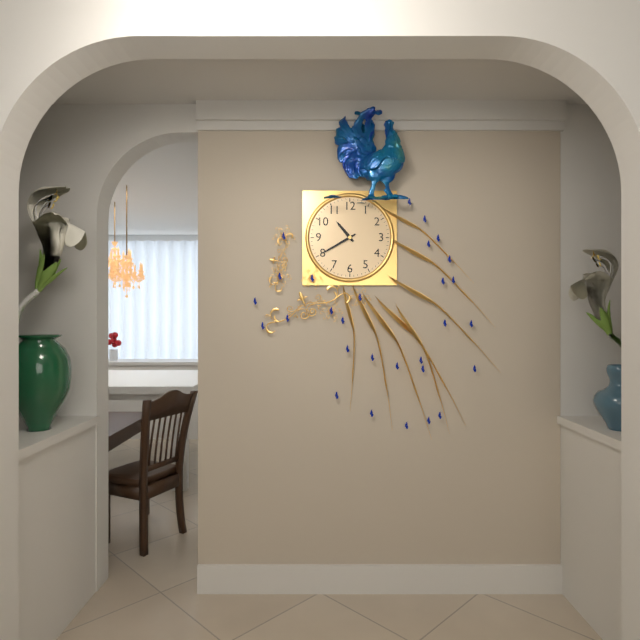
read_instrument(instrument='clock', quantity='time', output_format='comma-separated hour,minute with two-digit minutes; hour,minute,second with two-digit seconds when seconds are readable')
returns 10,40
